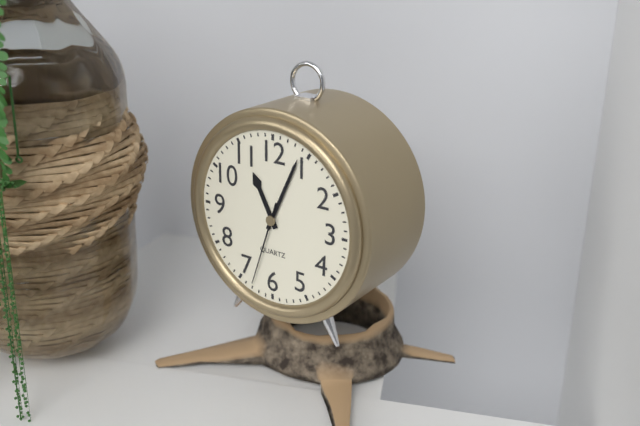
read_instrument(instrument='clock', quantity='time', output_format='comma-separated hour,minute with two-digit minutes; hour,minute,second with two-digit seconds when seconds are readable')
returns 11,04,33
